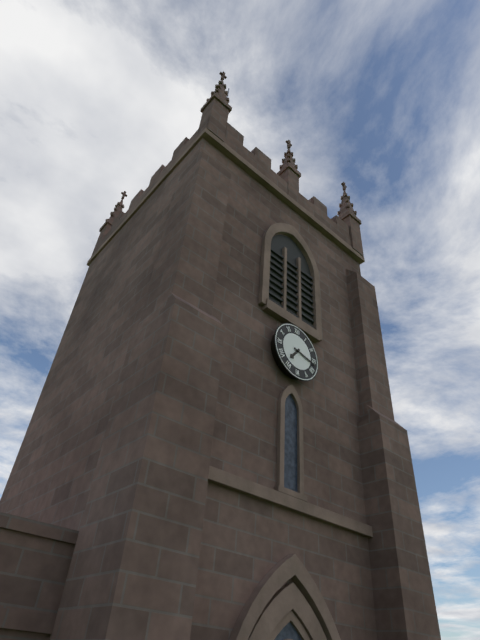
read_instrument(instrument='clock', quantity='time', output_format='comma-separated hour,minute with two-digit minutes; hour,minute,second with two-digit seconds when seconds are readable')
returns 7,17
